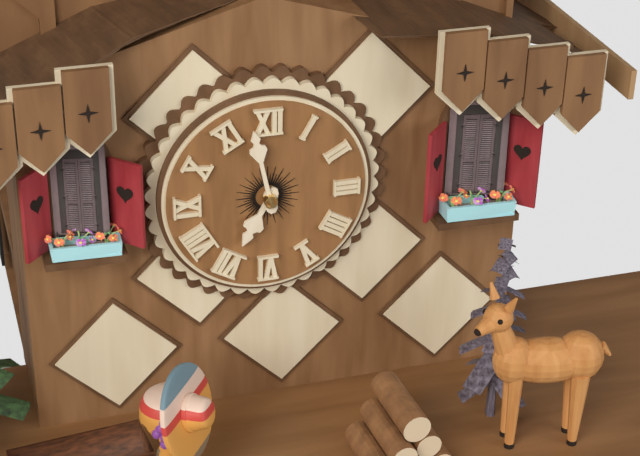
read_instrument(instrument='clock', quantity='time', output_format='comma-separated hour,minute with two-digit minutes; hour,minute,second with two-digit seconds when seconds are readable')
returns 6,58
